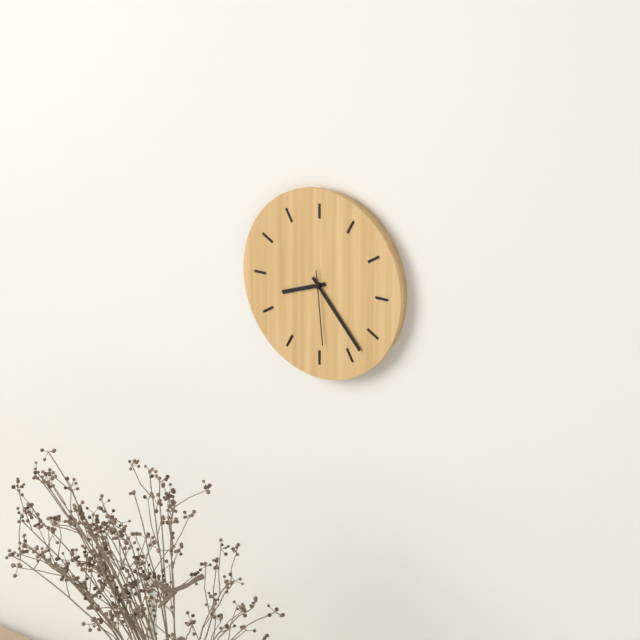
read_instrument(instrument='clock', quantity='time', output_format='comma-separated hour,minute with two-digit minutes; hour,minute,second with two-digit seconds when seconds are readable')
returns 8,23,29
